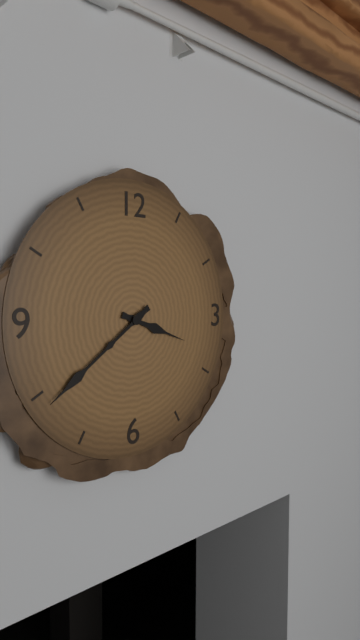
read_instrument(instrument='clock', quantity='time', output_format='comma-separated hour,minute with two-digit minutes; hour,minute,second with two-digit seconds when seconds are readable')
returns 3,39
